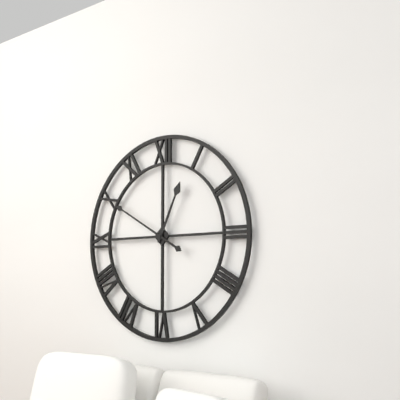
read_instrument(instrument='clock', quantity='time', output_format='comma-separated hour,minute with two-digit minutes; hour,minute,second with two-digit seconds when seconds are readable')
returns 12,50
